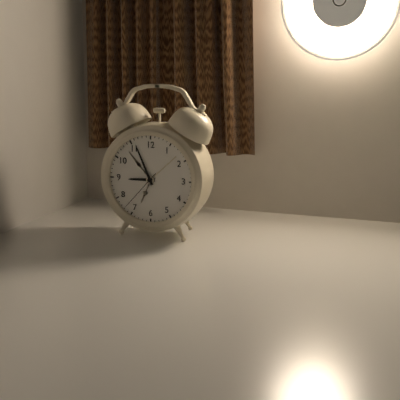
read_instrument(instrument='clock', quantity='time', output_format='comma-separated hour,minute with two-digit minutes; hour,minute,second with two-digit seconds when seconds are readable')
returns 8,56
